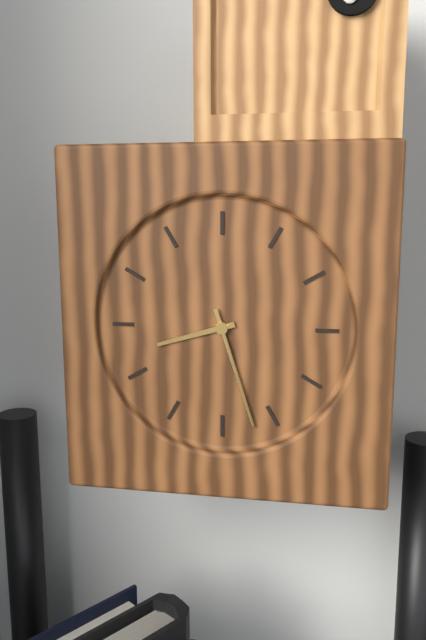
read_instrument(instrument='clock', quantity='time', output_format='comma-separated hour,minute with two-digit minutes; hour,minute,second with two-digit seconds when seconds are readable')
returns 8,27
